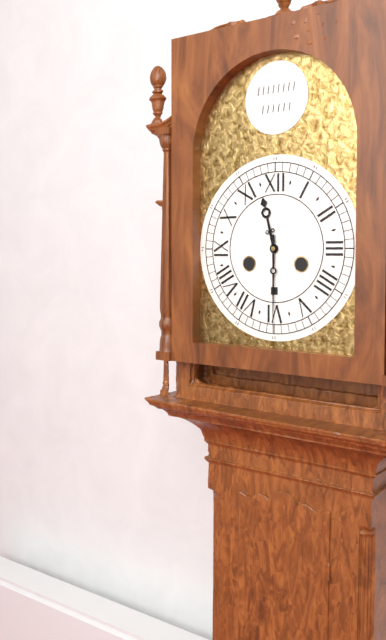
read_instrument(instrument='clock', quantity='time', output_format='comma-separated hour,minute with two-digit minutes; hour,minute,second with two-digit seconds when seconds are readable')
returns 11,30
